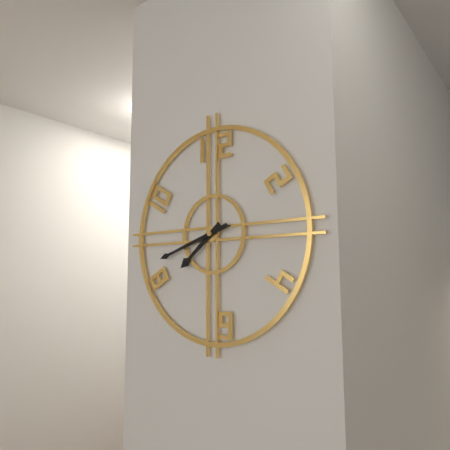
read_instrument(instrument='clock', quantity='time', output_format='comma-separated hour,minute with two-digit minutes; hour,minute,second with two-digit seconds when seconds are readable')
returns 7,42
